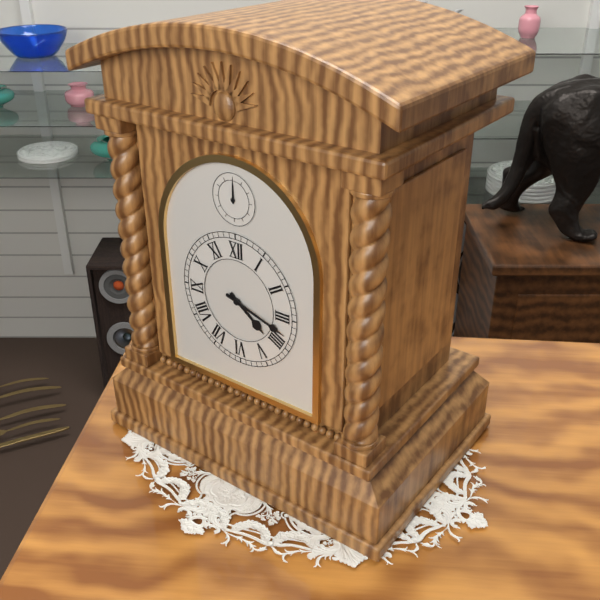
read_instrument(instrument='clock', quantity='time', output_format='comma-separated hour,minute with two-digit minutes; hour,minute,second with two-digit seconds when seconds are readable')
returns 4,18
